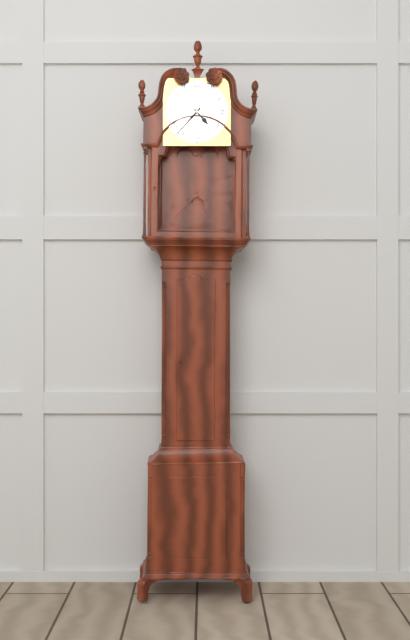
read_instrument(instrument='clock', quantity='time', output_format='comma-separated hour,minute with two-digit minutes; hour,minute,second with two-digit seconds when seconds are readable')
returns 4,37
